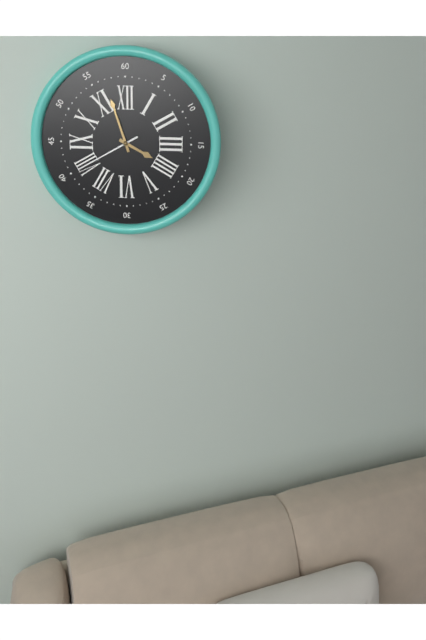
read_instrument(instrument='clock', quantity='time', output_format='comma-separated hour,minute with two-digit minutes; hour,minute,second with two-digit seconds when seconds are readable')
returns 3,57,40
